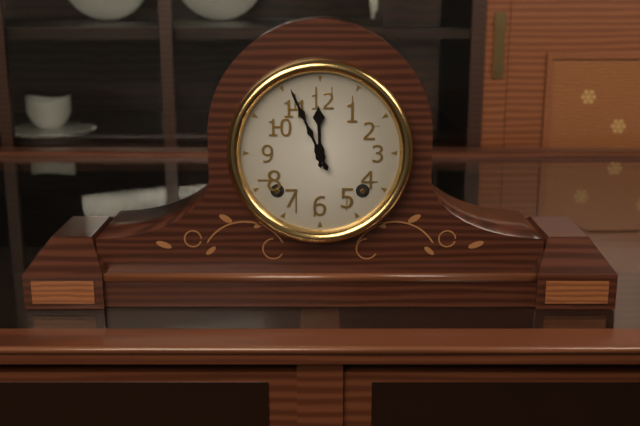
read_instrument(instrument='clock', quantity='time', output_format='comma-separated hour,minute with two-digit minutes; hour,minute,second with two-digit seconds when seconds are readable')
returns 11,56
